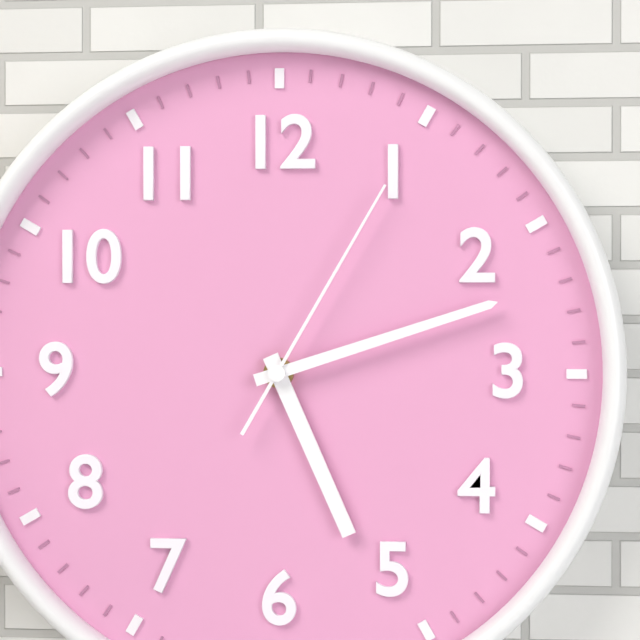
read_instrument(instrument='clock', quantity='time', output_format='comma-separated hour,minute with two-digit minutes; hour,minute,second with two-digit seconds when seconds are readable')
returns 5,12,05
